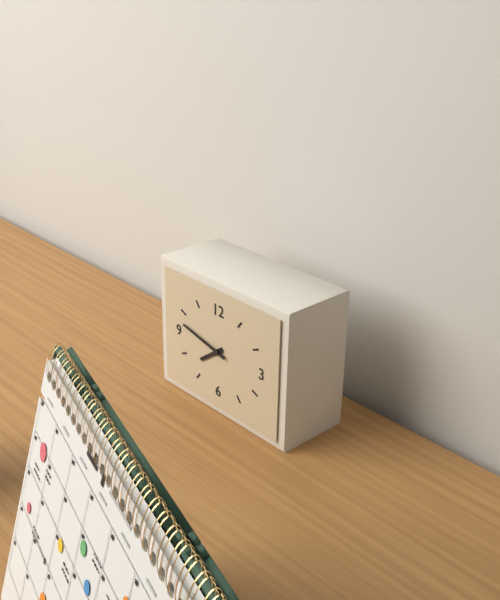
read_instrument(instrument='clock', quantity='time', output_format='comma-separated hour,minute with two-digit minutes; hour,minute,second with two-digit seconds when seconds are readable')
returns 7,47
